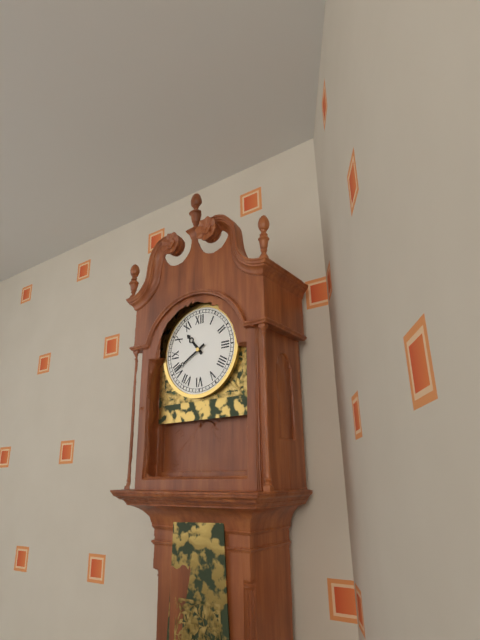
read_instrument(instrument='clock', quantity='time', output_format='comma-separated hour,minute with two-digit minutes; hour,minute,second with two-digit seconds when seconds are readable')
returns 10,40
